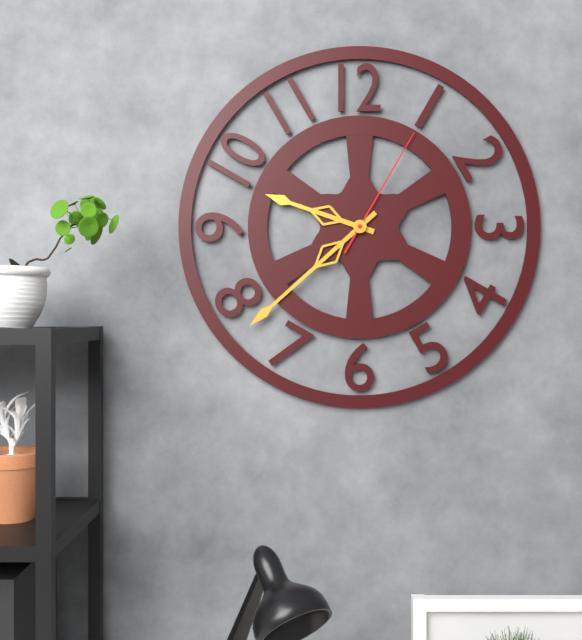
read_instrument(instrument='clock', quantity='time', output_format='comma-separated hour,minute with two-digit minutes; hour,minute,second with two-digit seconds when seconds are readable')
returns 9,38,05
